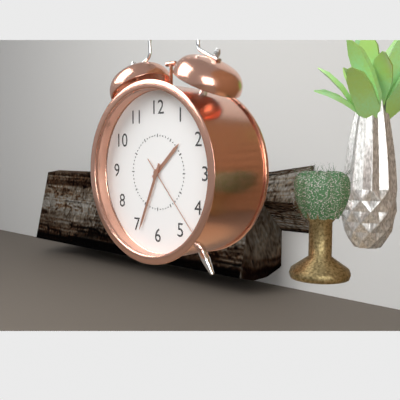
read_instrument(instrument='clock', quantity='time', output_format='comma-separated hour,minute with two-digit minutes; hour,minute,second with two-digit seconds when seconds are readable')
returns 1,34,23
